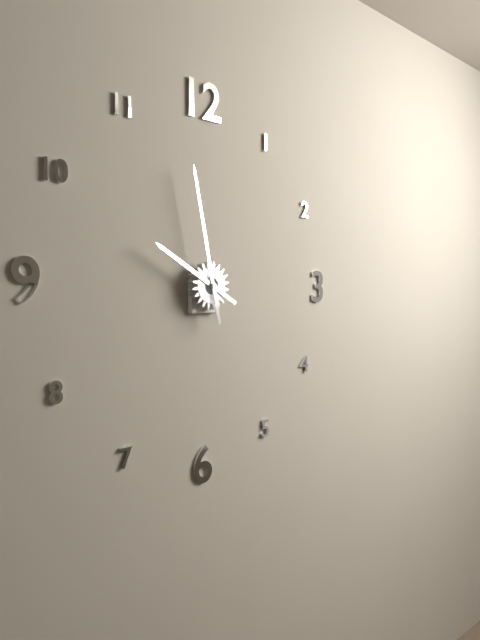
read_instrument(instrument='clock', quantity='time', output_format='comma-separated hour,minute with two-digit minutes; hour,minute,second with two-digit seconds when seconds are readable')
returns 9,58
